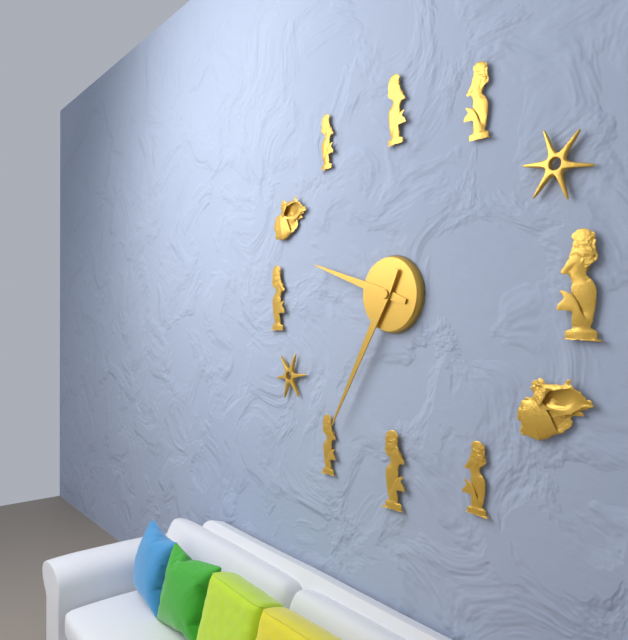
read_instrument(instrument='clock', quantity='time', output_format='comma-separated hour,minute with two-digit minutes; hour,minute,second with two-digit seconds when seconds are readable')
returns 9,35
